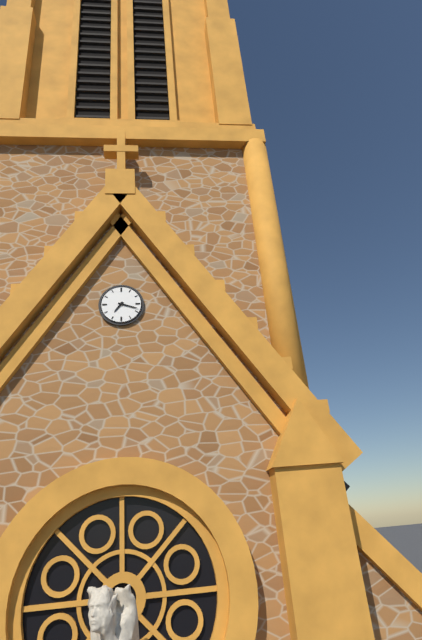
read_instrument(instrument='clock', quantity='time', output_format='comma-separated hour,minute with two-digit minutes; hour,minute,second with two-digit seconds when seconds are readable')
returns 7,18
